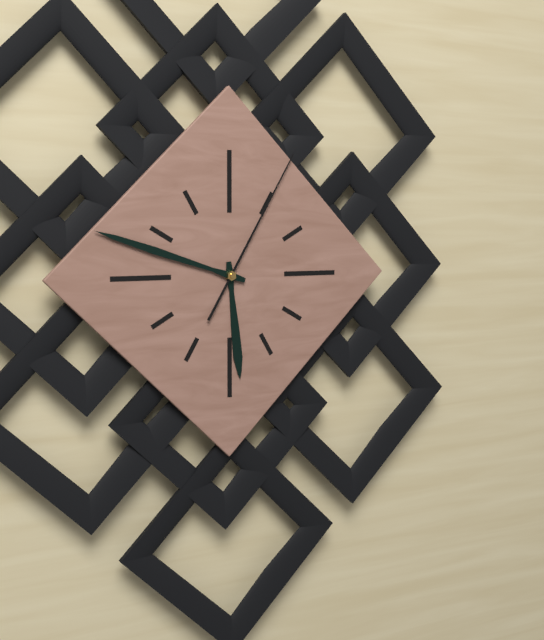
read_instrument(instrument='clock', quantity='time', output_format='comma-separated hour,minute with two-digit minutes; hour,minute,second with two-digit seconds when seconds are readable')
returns 5,48,05
